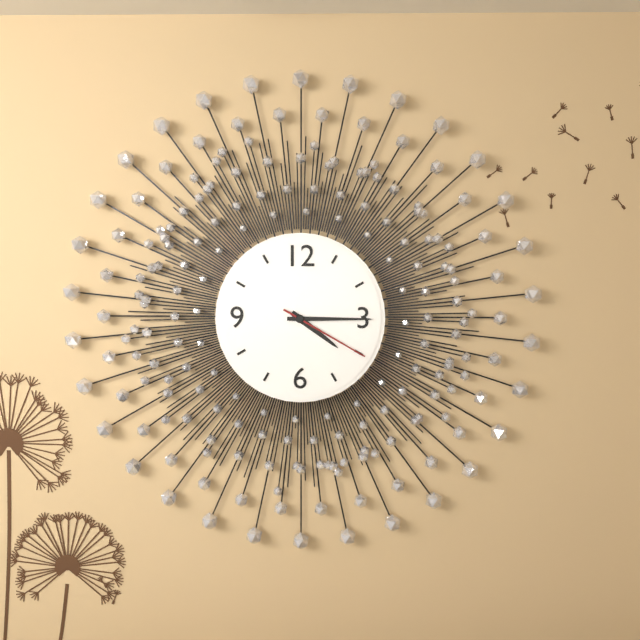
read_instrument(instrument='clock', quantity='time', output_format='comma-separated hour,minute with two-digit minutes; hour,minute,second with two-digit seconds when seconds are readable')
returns 4,15,20
